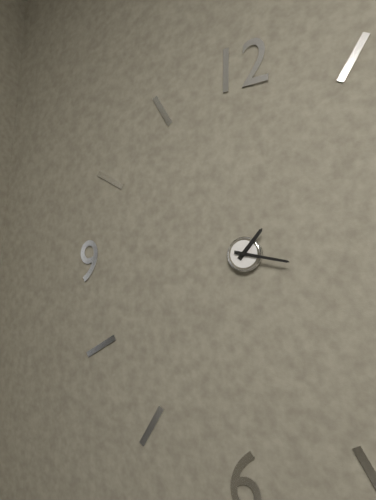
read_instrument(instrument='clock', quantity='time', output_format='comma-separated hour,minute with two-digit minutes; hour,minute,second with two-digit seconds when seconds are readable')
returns 1,17
